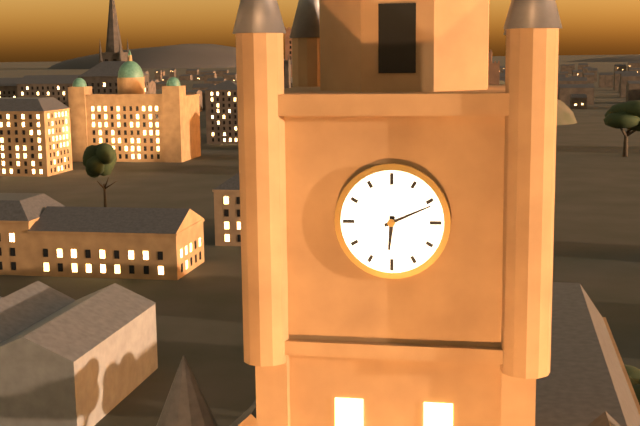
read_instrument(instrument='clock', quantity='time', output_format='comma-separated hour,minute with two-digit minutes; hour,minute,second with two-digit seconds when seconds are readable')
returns 6,11
